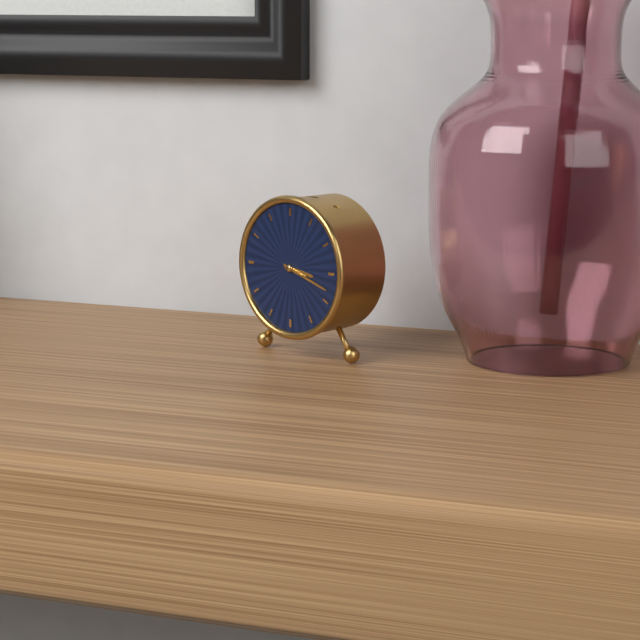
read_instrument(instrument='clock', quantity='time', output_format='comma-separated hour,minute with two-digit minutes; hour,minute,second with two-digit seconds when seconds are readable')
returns 3,18
